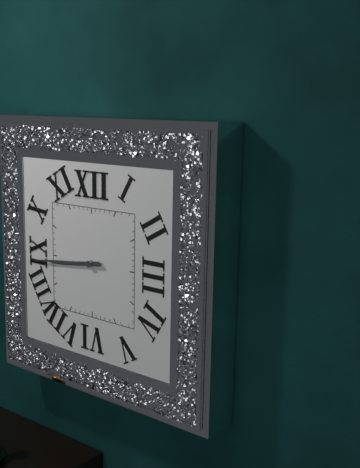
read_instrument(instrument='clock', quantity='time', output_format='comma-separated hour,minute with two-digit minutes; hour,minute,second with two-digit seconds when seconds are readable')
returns 8,44
